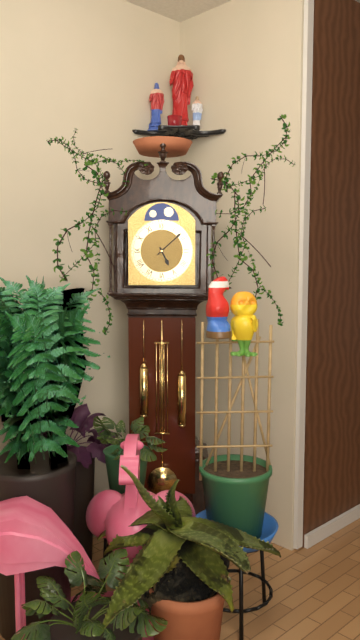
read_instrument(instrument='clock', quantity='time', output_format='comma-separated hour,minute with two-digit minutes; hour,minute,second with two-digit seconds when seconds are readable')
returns 5,08
